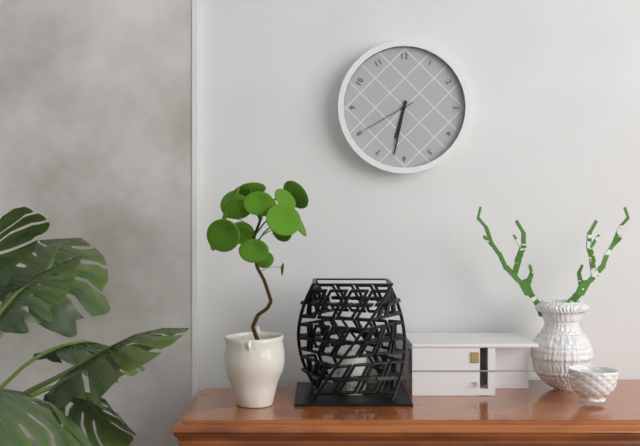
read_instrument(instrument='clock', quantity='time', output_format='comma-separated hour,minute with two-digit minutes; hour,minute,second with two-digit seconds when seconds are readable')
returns 6,32,40
